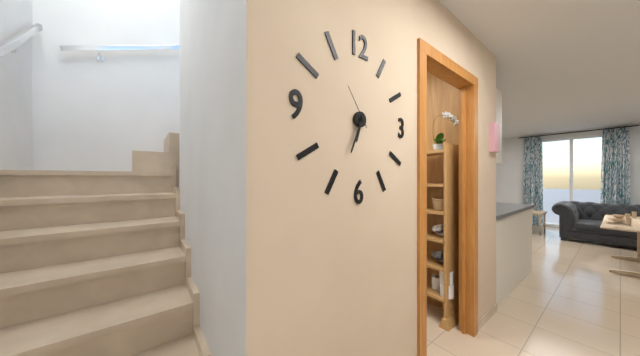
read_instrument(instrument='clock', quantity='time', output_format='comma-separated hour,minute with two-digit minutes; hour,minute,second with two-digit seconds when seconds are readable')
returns 6,34
